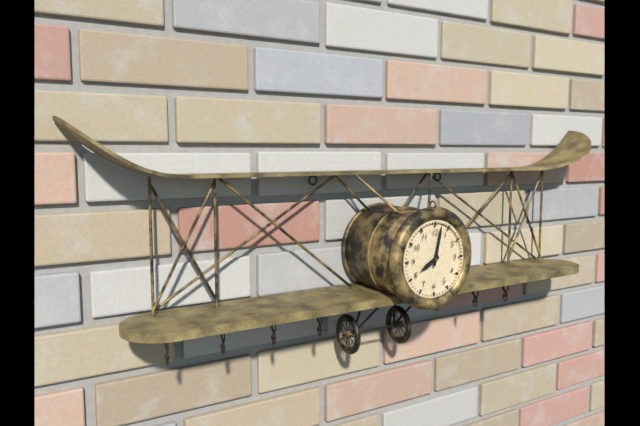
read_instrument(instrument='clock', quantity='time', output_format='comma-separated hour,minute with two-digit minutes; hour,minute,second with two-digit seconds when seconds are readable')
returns 8,02
